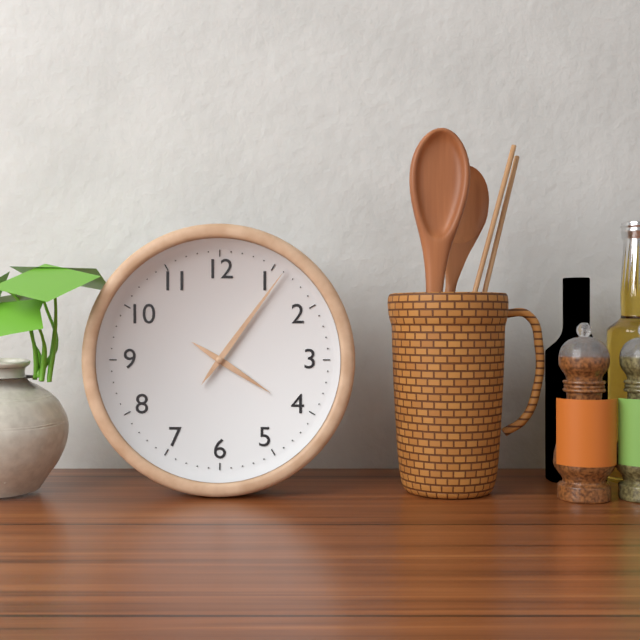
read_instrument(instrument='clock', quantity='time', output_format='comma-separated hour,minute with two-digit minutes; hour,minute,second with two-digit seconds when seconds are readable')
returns 4,06
